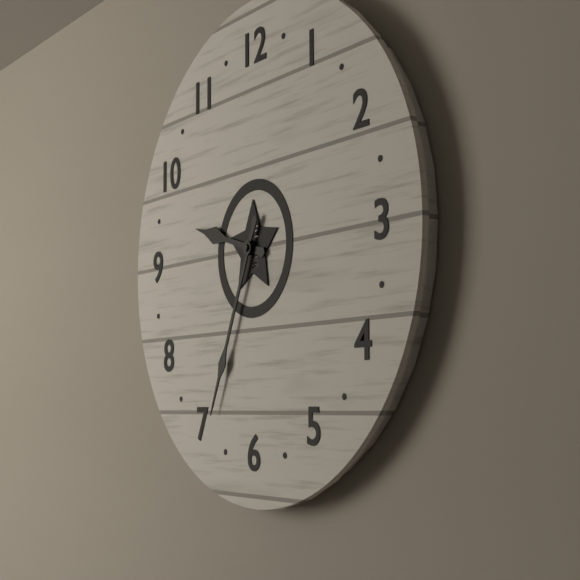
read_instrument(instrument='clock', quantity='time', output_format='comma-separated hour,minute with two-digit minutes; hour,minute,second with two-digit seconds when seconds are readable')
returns 9,34
